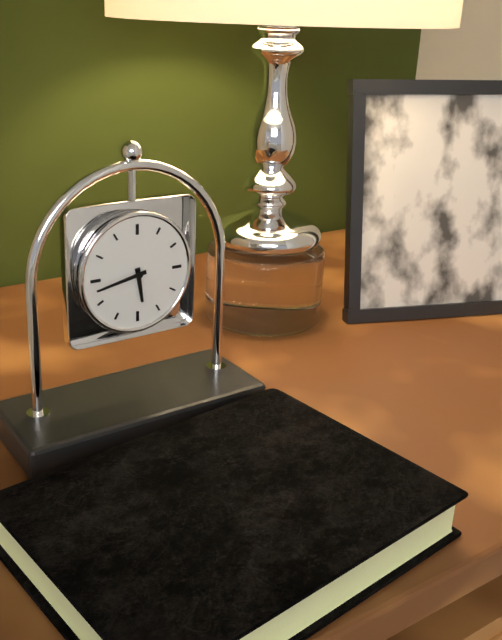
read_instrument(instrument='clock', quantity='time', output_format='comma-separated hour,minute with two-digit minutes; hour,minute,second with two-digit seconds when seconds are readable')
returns 5,43
